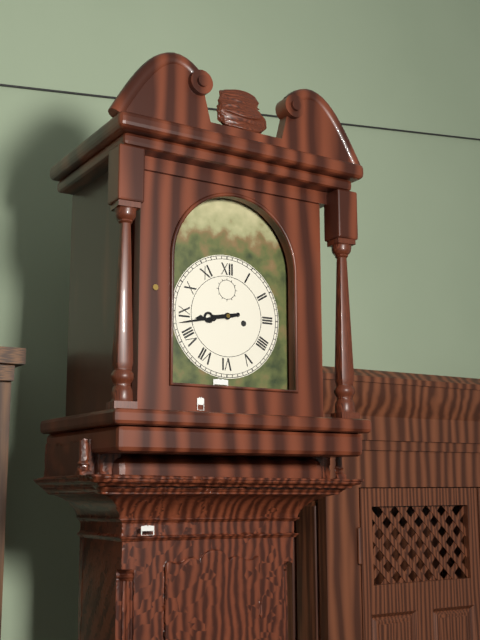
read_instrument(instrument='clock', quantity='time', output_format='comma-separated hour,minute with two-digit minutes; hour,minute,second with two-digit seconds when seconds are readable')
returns 8,43
